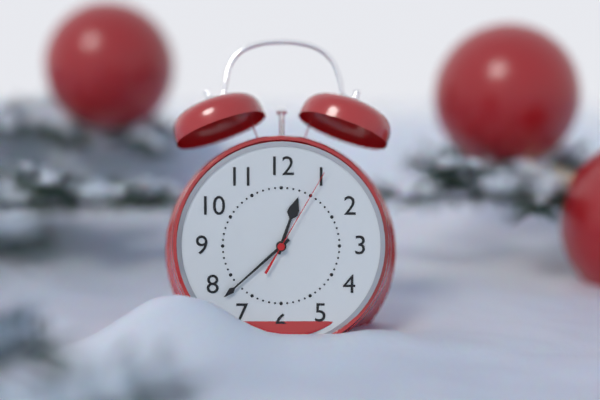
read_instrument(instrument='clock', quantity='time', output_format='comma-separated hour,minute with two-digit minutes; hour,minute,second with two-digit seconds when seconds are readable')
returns 12,38,05
